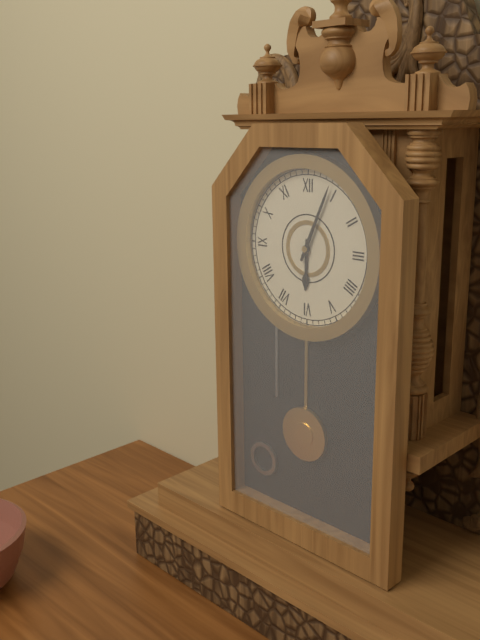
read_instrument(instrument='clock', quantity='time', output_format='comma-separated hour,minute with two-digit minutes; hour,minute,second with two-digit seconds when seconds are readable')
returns 6,04
